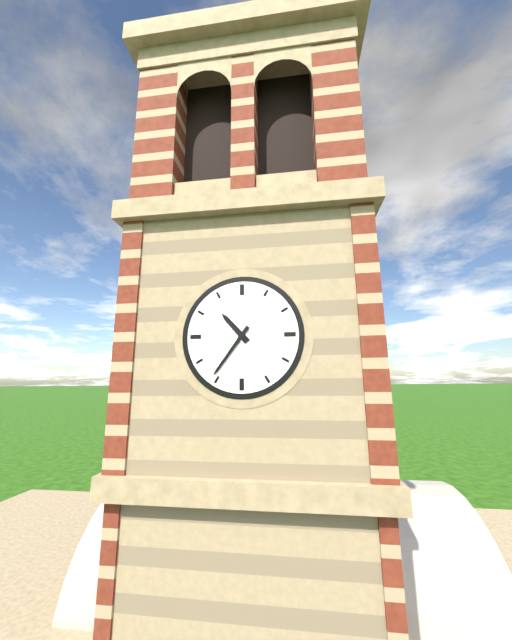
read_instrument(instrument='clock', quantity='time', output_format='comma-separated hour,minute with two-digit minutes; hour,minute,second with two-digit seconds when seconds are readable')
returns 10,36
